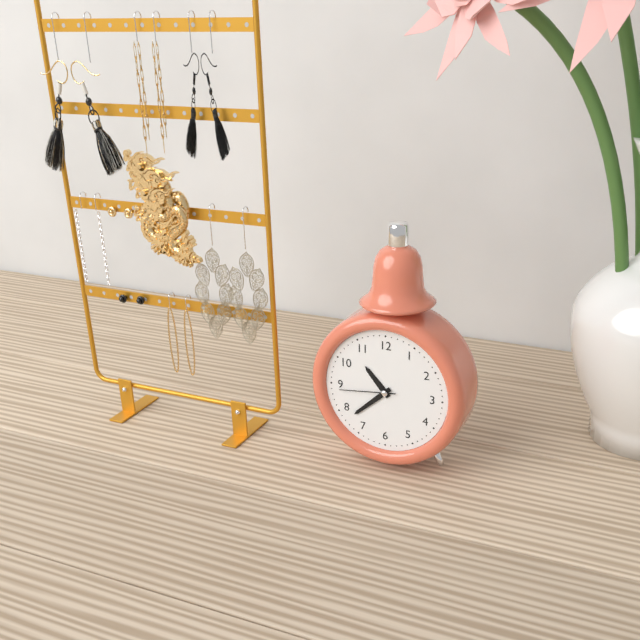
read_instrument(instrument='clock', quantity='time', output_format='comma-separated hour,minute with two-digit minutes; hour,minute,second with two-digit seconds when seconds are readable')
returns 10,38,44
